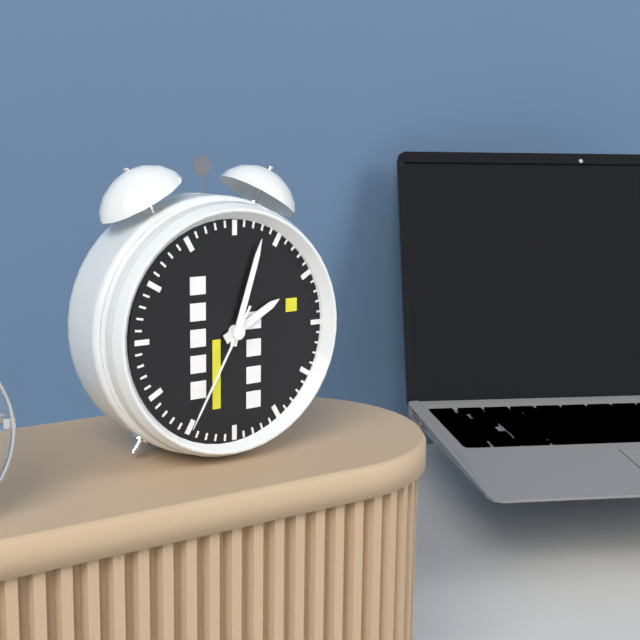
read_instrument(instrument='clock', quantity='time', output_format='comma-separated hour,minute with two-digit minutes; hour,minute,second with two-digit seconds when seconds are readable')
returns 2,03,35
